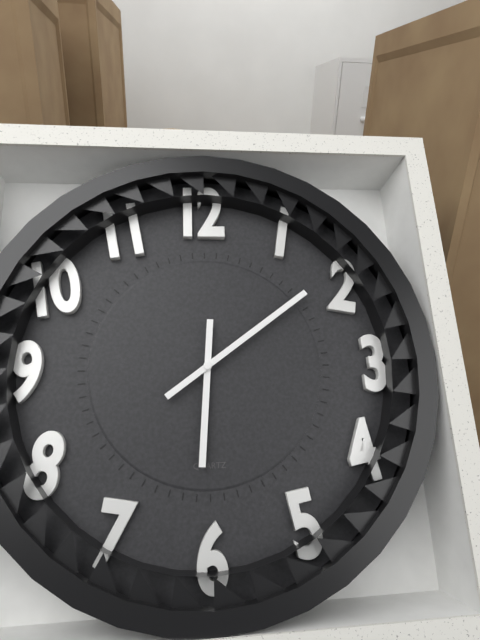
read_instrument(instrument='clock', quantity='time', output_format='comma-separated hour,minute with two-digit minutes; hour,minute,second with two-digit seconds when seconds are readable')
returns 6,09
